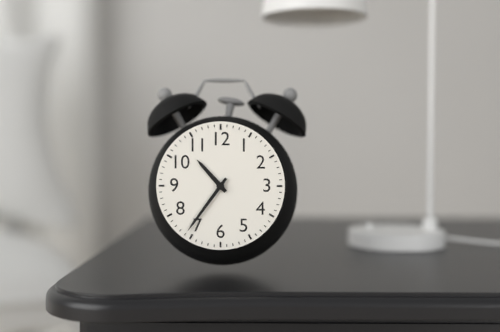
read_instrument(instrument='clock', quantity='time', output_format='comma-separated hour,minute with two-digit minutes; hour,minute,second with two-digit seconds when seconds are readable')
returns 10,36
